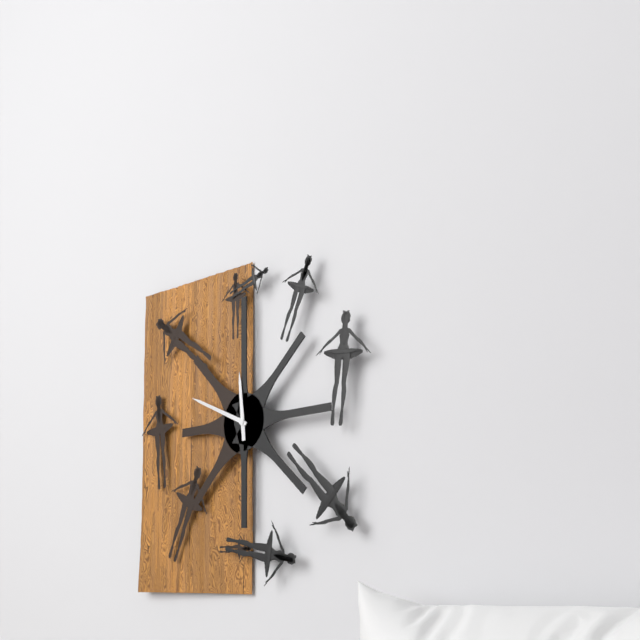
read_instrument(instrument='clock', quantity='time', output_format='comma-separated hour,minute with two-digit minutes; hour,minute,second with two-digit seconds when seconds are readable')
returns 11,49
